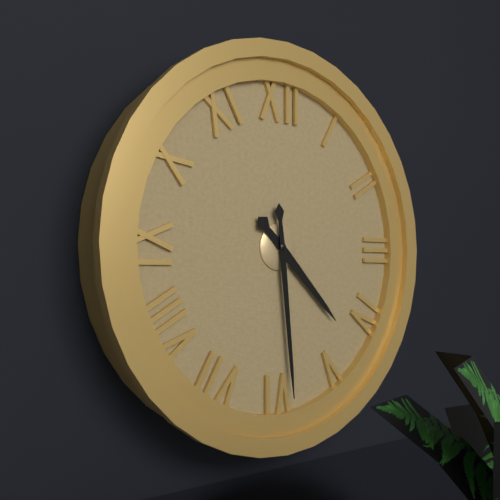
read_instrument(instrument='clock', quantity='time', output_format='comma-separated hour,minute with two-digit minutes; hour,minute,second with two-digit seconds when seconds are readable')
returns 4,29
